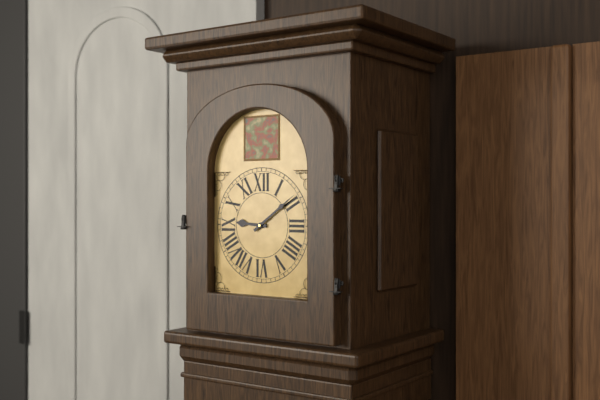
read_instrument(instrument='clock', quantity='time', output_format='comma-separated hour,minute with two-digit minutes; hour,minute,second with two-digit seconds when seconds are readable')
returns 9,09
